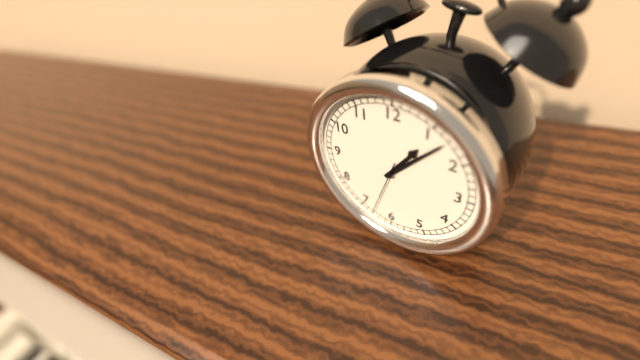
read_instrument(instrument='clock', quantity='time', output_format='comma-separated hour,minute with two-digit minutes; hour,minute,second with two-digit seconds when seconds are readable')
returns 1,07,33
